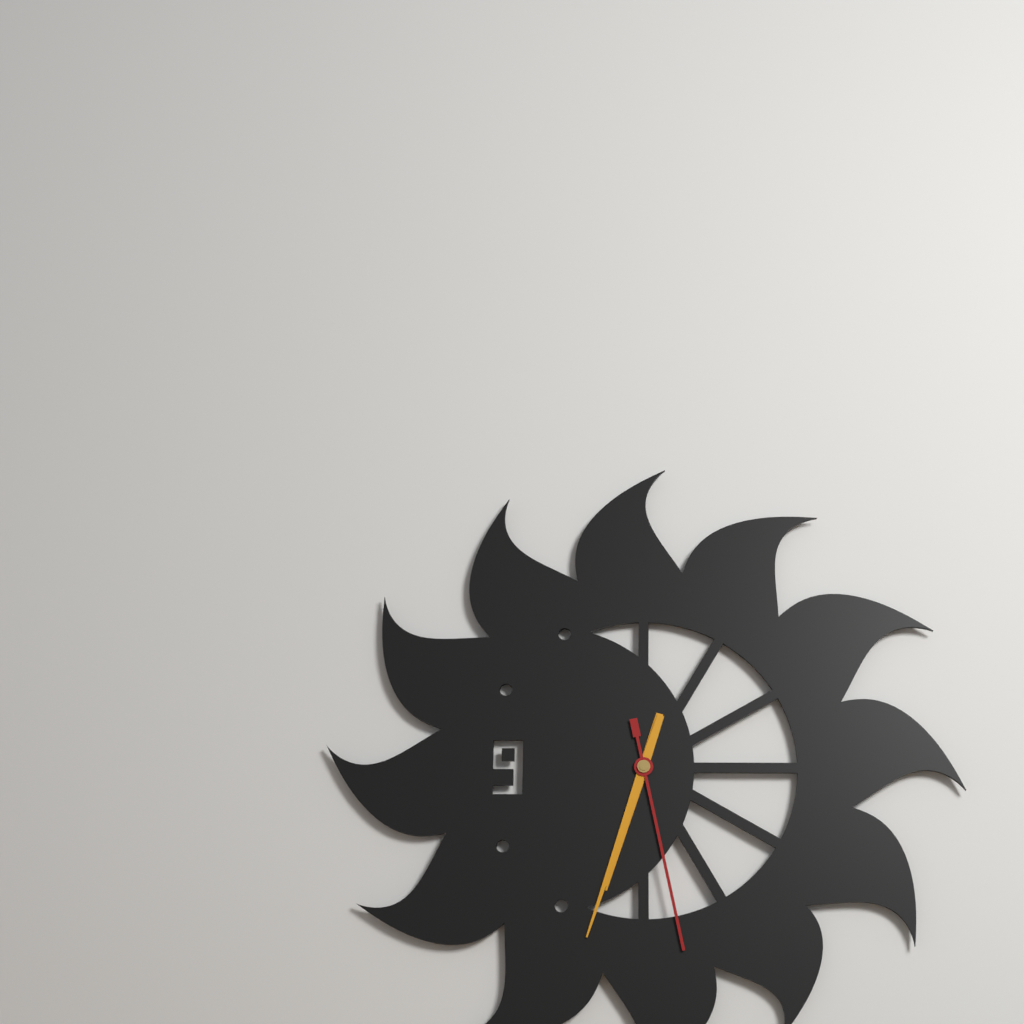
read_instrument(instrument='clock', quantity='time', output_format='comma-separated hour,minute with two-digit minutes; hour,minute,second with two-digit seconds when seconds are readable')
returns 6,33,28
